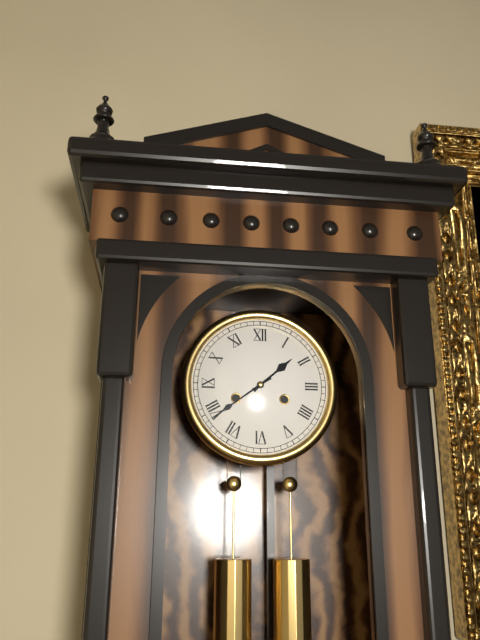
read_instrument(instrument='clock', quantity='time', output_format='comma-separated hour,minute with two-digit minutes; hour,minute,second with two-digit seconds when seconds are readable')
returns 1,39
